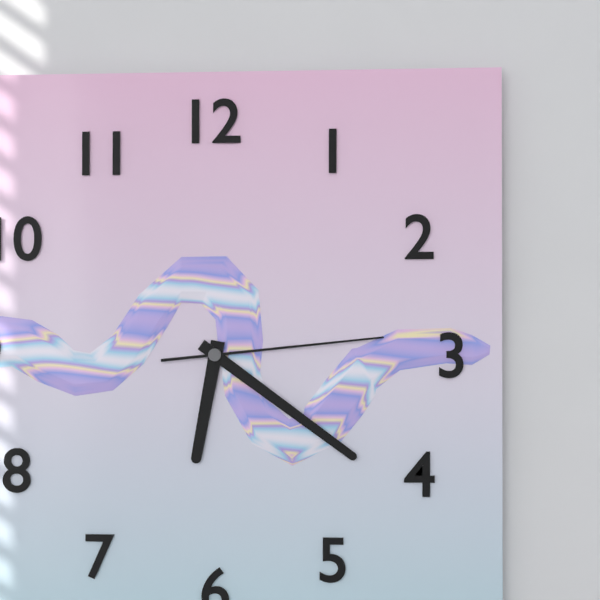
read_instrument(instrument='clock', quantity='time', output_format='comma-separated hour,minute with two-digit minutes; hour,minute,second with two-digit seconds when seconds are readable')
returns 6,21,14
